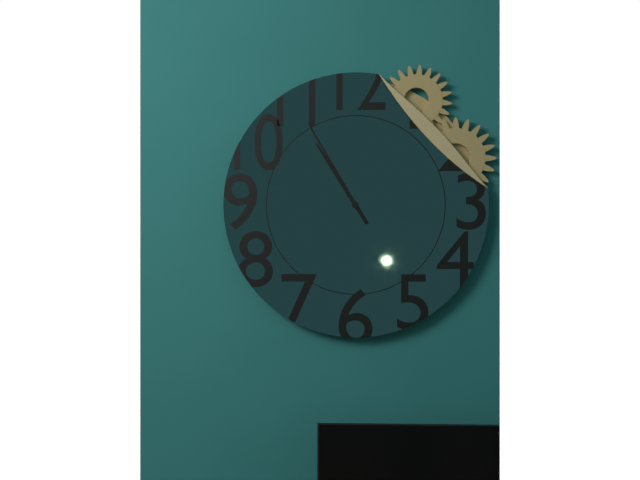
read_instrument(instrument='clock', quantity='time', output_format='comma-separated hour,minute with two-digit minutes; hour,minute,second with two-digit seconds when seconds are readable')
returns 10,55
